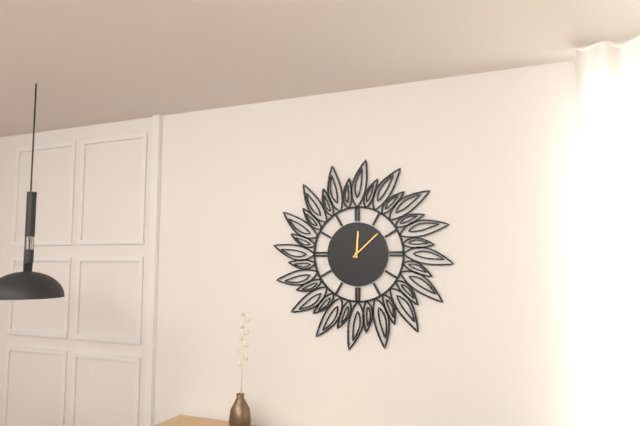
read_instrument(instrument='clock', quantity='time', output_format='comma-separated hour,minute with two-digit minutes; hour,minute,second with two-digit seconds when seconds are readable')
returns 12,08
